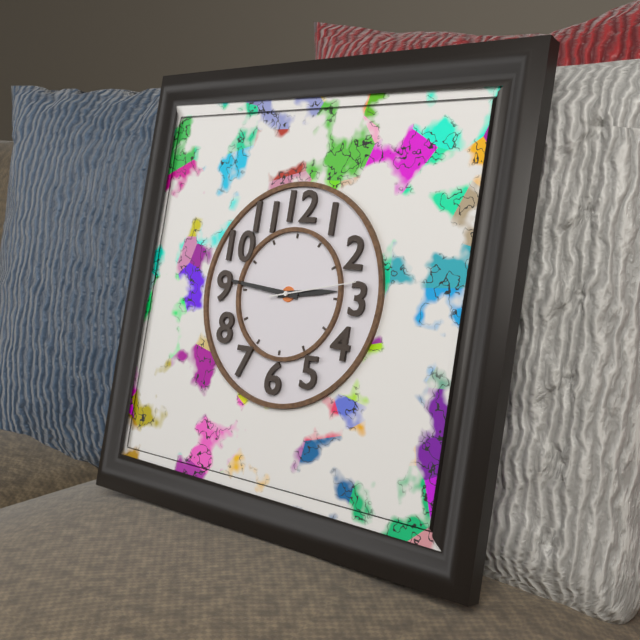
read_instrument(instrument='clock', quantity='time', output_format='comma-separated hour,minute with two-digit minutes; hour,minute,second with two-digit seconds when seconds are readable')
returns 2,46,13
